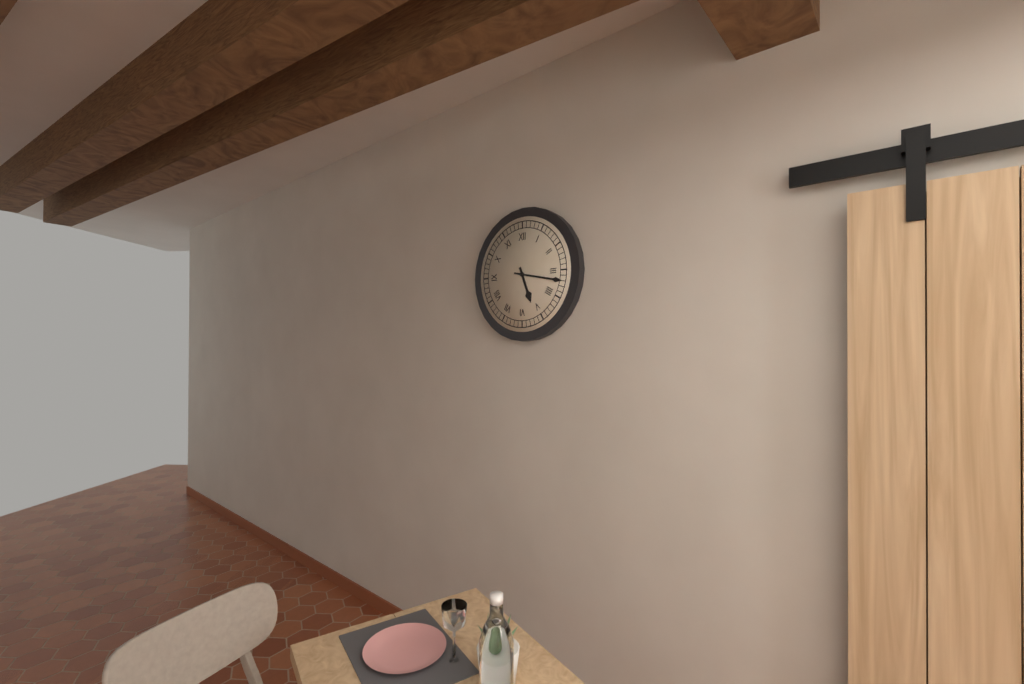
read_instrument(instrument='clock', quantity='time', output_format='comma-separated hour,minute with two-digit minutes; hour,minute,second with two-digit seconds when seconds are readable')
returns 5,17
